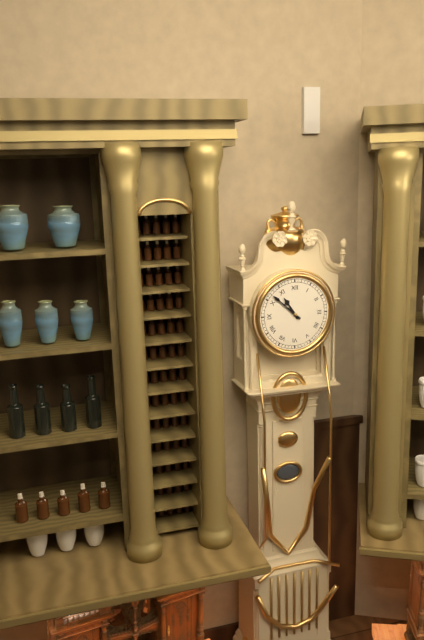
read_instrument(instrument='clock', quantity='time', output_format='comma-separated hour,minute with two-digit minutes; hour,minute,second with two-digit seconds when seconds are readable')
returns 10,52
